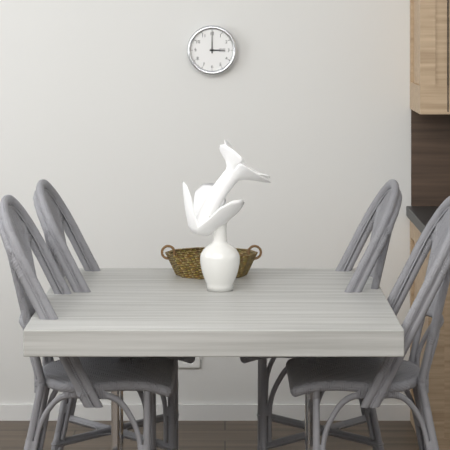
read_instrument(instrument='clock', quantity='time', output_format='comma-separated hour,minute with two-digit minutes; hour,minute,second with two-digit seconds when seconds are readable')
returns 3,00
